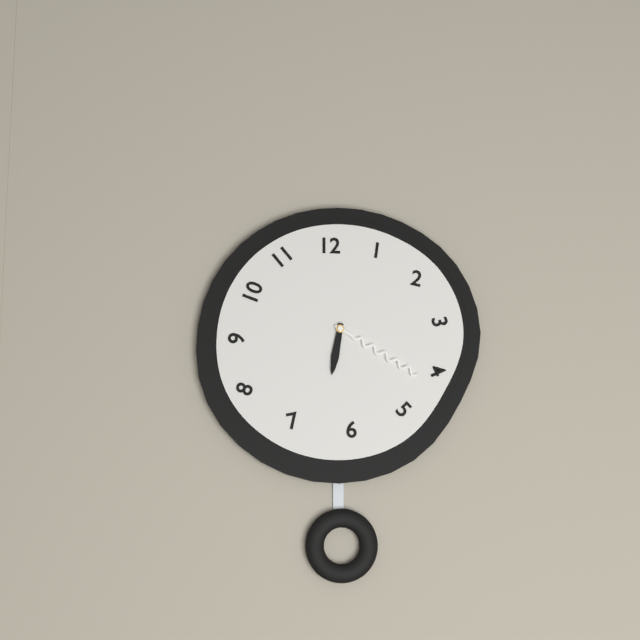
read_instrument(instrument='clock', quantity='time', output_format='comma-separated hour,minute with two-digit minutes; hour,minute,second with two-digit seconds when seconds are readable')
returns 6,20
